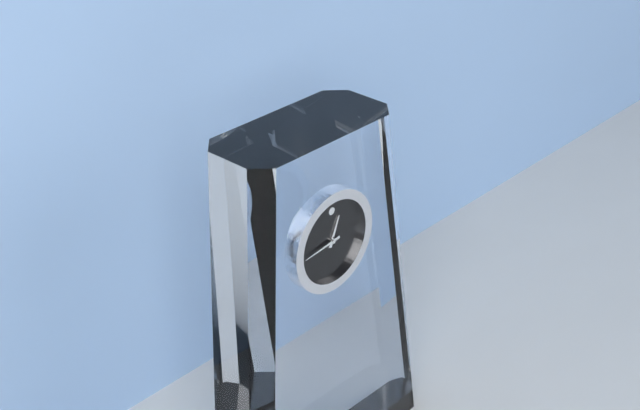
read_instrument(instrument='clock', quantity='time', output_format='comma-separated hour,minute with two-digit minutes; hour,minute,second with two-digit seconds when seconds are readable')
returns 12,44
